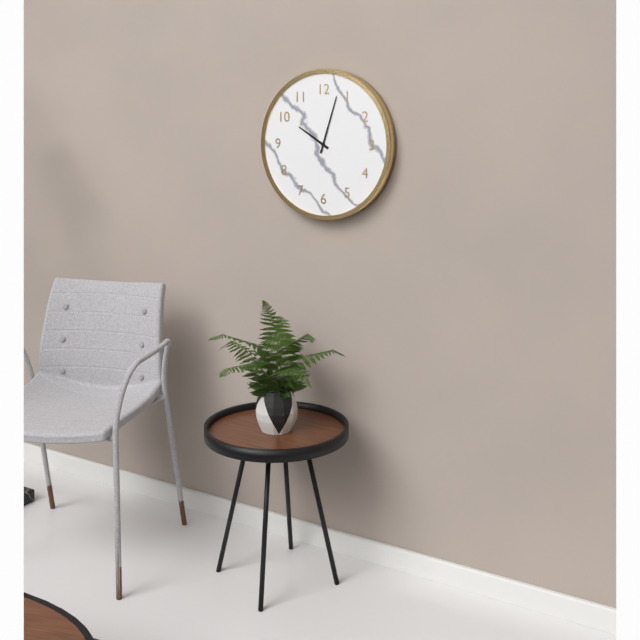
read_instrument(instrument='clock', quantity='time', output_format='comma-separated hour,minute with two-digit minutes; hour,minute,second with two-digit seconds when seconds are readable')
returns 10,03
